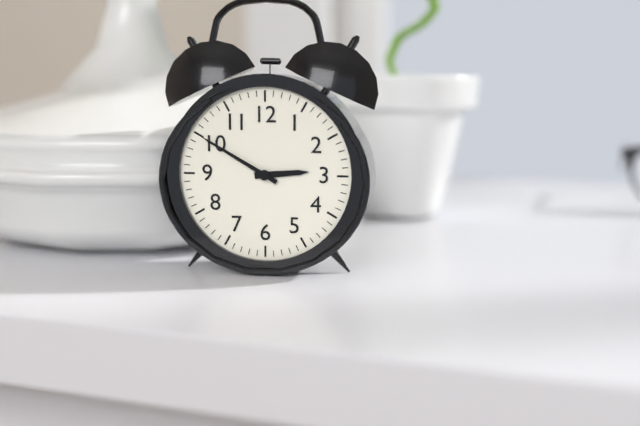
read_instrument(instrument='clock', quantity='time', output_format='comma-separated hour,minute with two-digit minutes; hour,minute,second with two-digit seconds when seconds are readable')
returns 2,50
